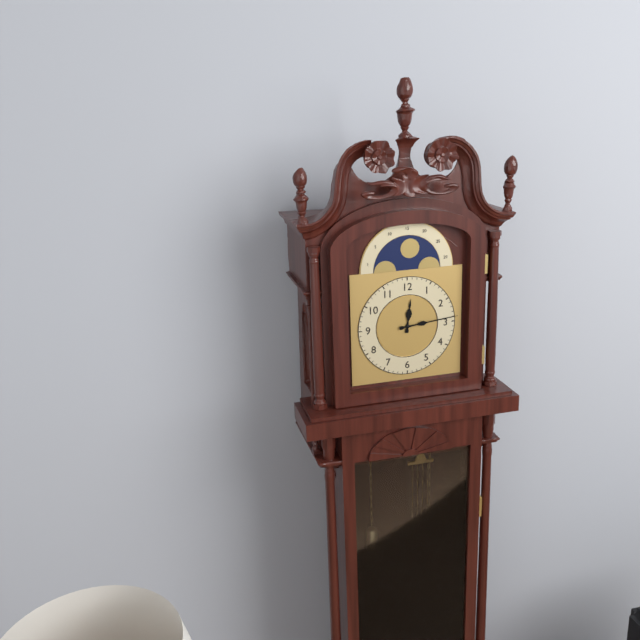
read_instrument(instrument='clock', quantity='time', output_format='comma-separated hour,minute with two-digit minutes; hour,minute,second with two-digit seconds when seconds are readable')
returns 12,14
